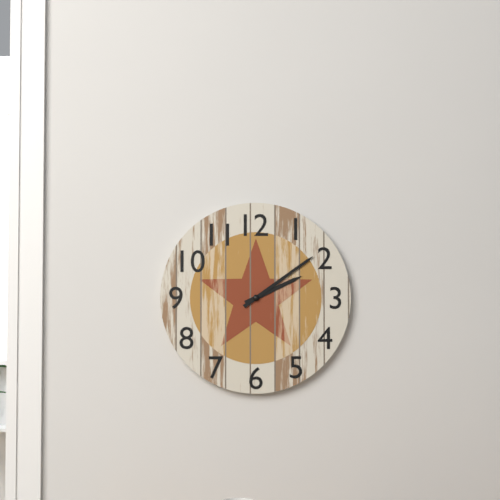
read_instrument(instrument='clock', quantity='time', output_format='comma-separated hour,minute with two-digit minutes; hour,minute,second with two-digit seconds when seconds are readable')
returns 2,09
